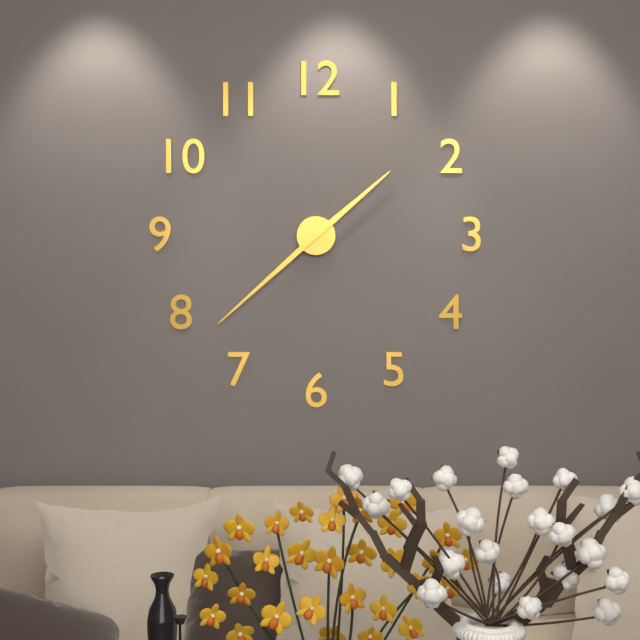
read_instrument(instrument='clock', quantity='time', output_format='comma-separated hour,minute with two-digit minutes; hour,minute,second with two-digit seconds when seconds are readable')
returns 1,38
